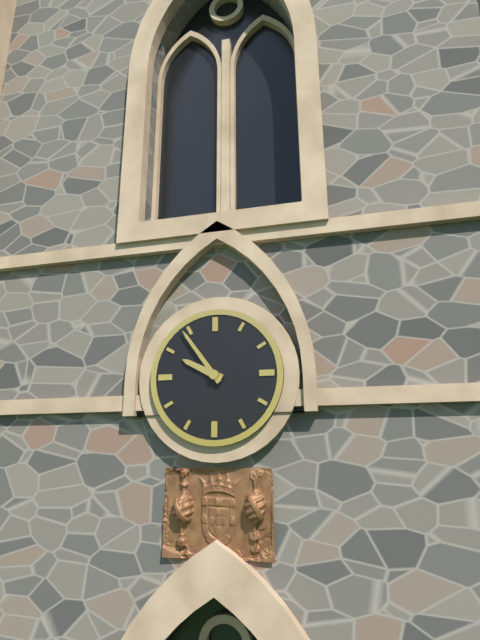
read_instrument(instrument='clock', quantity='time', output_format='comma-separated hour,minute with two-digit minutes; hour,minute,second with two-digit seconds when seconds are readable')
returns 9,54
